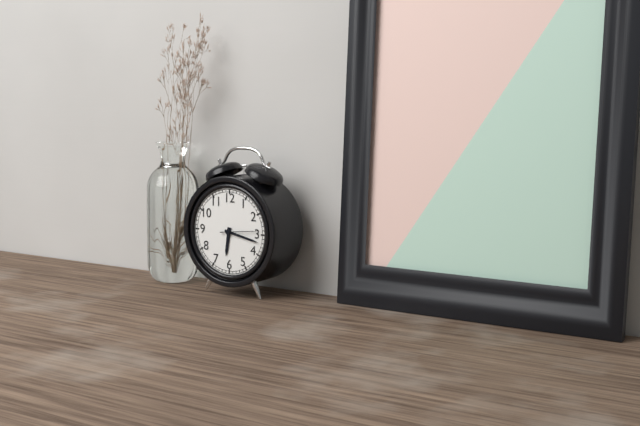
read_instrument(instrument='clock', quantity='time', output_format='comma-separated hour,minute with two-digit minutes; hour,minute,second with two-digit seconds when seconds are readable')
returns 6,17
